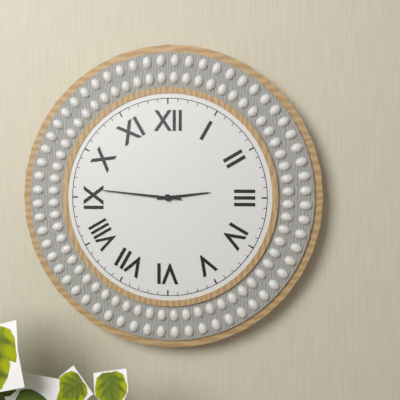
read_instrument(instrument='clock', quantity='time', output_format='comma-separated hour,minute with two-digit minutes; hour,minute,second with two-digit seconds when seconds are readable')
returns 2,46
